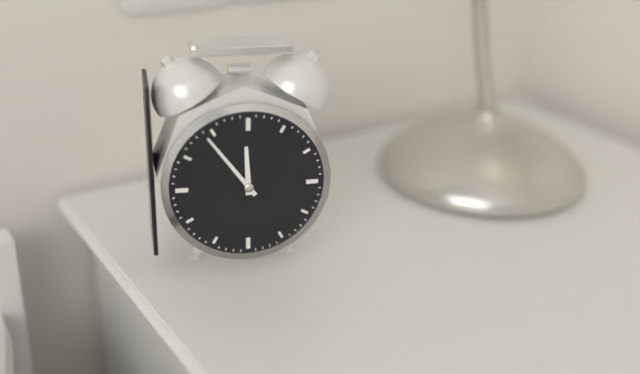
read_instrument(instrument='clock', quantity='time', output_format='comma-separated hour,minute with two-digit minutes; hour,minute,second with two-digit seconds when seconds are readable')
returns 11,54
